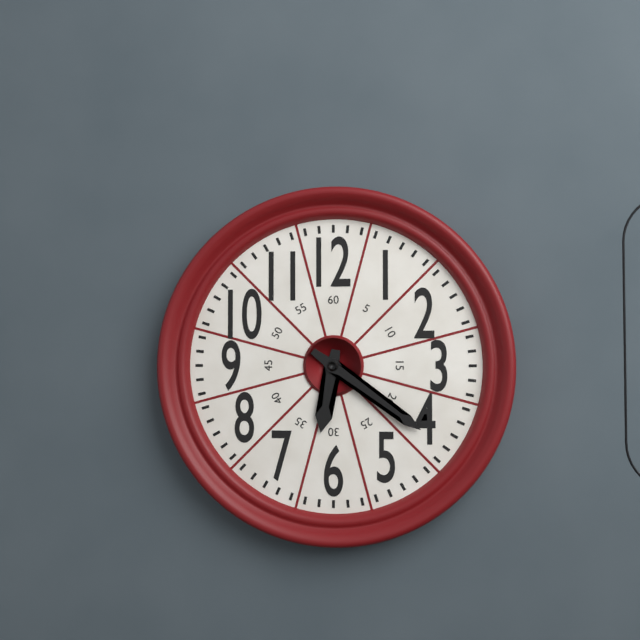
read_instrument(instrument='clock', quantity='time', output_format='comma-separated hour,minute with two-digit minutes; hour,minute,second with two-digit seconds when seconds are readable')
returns 6,21
